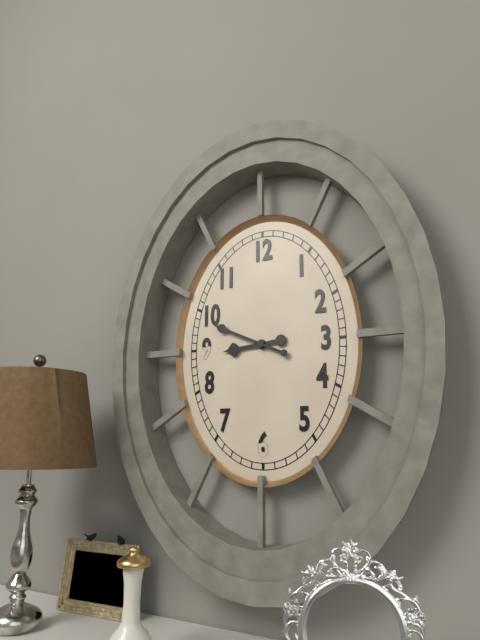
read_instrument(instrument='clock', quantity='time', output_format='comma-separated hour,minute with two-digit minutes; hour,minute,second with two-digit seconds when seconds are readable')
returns 8,49
